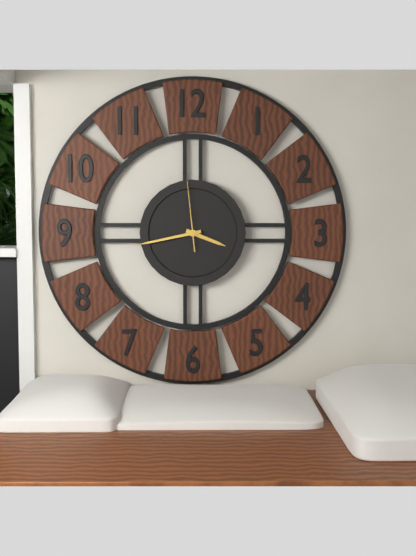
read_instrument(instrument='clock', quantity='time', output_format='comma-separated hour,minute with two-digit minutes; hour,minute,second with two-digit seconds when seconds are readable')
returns 3,43,59
